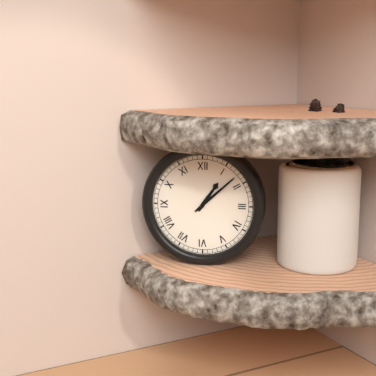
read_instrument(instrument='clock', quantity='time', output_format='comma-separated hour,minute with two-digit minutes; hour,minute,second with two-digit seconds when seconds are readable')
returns 1,08
